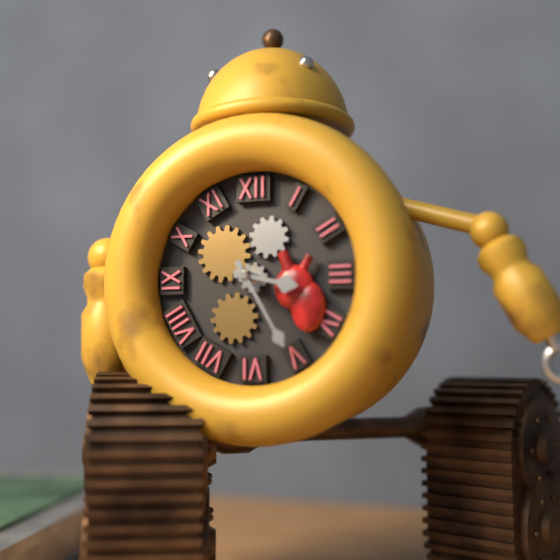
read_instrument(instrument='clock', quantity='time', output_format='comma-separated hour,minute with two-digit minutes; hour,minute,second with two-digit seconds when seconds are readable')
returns 3,25
